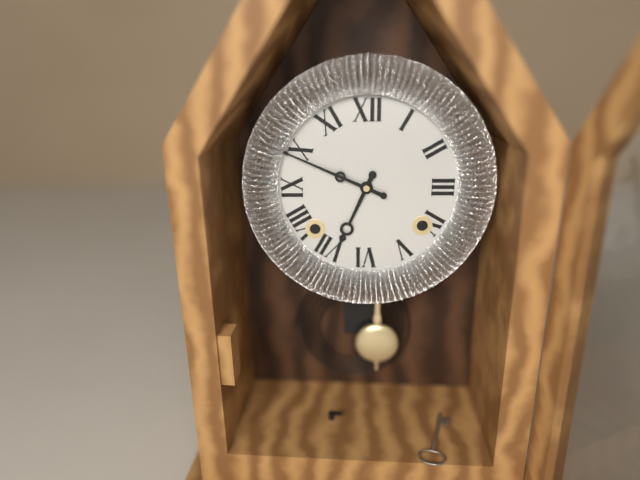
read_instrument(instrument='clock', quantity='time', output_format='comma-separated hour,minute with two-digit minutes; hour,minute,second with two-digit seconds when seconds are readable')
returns 6,49
